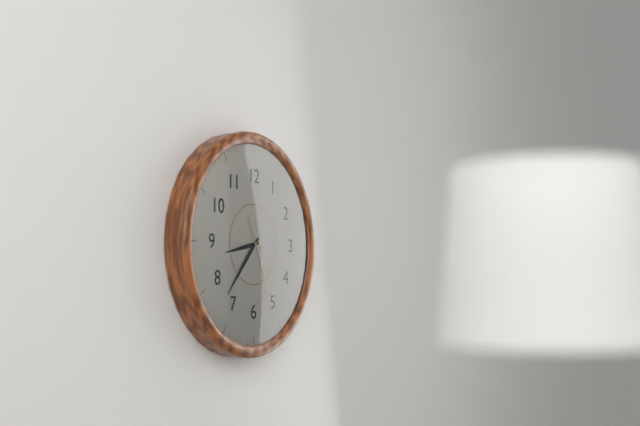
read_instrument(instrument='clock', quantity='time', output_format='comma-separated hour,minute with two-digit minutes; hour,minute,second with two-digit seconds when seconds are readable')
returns 8,37,26
